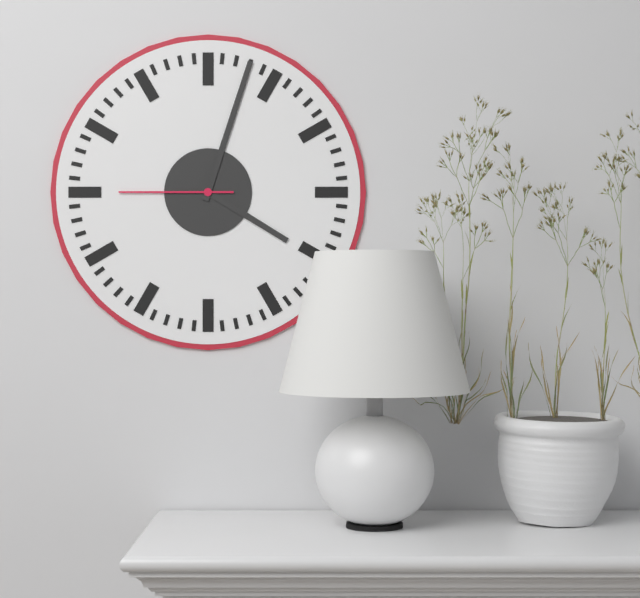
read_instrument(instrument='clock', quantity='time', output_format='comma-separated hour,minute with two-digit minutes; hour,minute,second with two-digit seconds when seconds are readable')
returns 4,03,45
